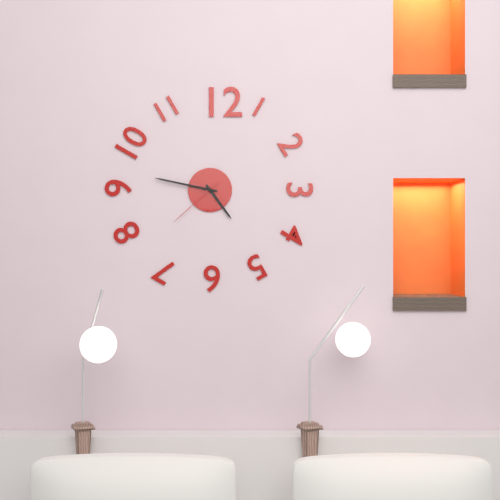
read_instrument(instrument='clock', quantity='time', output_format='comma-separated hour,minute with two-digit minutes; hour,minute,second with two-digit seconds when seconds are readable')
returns 4,47,38
